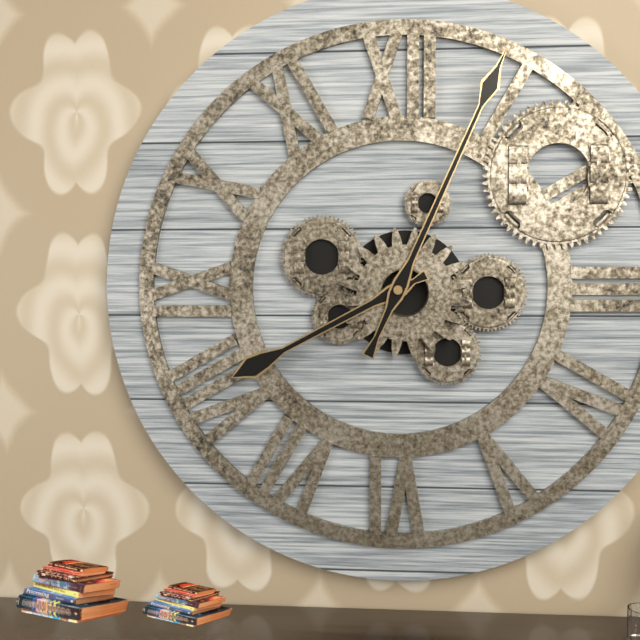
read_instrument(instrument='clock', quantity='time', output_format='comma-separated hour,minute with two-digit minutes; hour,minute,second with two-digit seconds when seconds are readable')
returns 8,04
